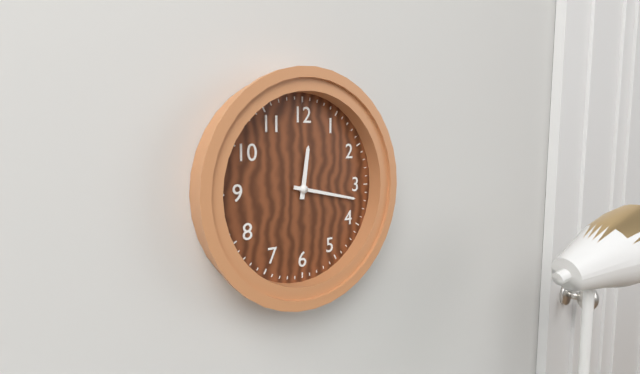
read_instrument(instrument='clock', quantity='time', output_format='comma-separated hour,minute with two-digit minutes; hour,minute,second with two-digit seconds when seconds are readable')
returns 12,17
